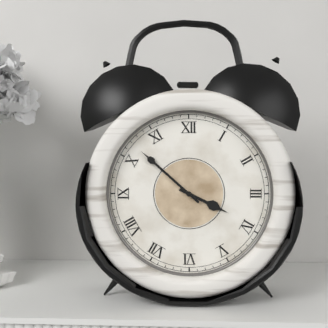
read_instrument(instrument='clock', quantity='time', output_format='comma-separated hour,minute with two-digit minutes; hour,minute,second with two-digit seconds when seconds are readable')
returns 3,52
